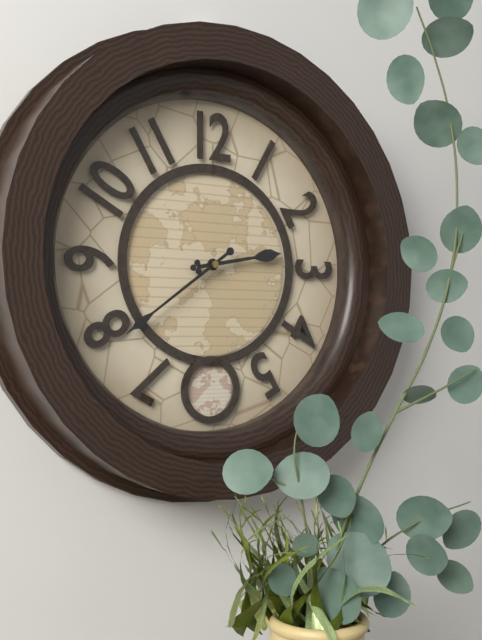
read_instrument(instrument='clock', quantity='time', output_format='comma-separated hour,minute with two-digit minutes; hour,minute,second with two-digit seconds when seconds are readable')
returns 2,39
